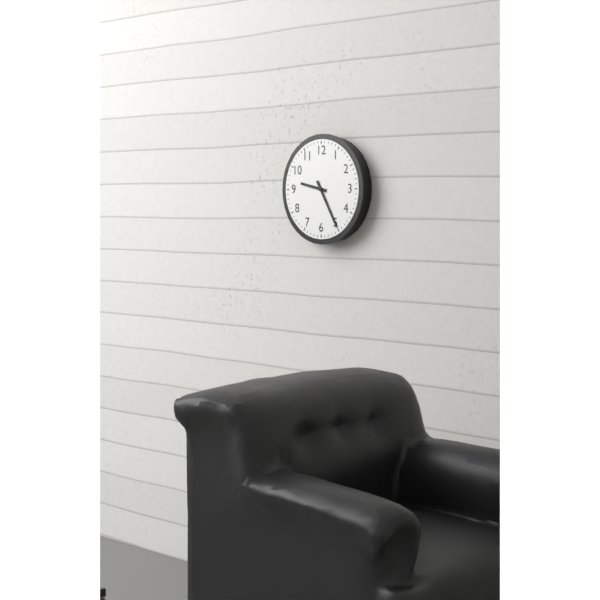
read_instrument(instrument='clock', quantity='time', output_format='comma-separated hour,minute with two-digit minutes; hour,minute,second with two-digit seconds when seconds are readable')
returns 9,25
